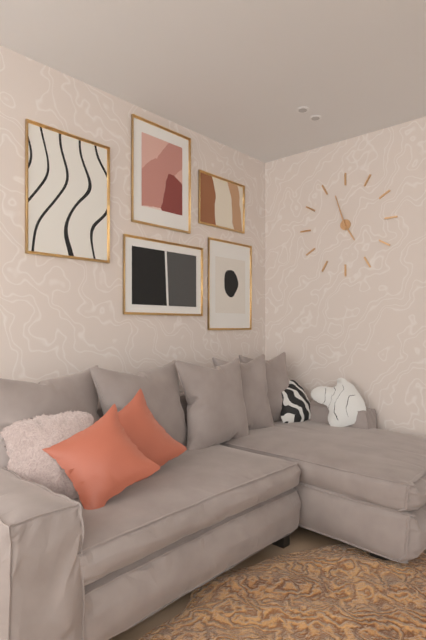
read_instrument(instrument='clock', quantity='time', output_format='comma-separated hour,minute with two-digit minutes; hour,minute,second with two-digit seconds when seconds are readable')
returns 4,57
